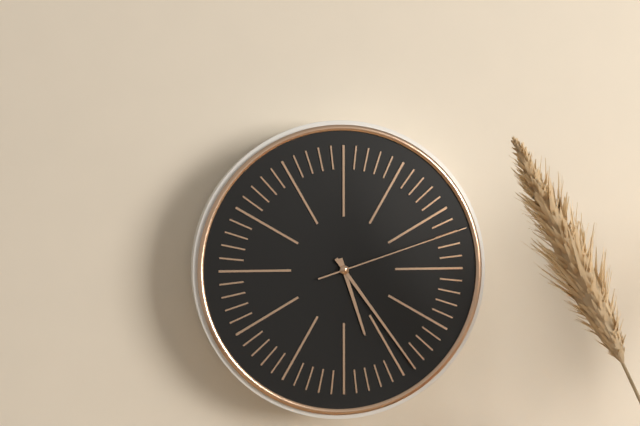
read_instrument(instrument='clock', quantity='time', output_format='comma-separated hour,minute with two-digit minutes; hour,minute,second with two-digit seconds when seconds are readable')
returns 5,24,12
